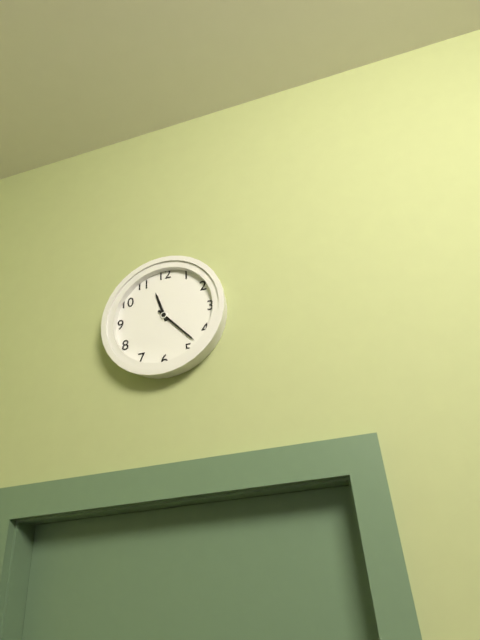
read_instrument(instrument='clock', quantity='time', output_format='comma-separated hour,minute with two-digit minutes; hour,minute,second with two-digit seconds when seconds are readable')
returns 11,23
